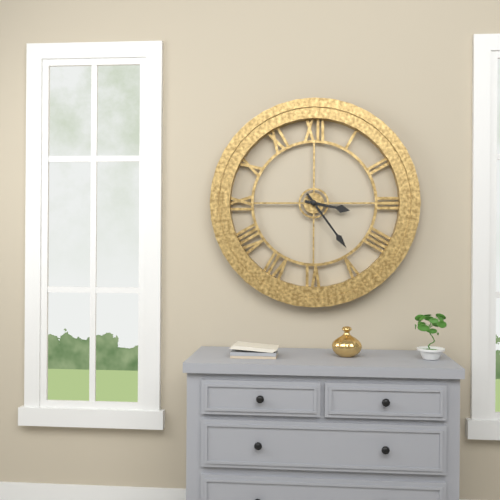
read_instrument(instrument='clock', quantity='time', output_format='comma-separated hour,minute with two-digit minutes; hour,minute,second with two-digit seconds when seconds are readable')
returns 3,24
